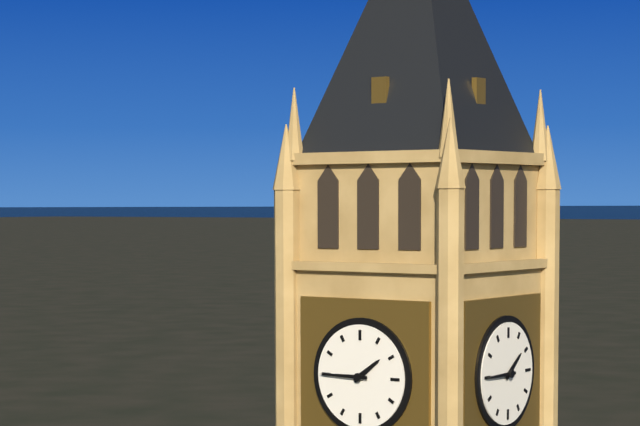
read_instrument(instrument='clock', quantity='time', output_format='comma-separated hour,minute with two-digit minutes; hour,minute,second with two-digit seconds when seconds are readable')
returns 1,45
